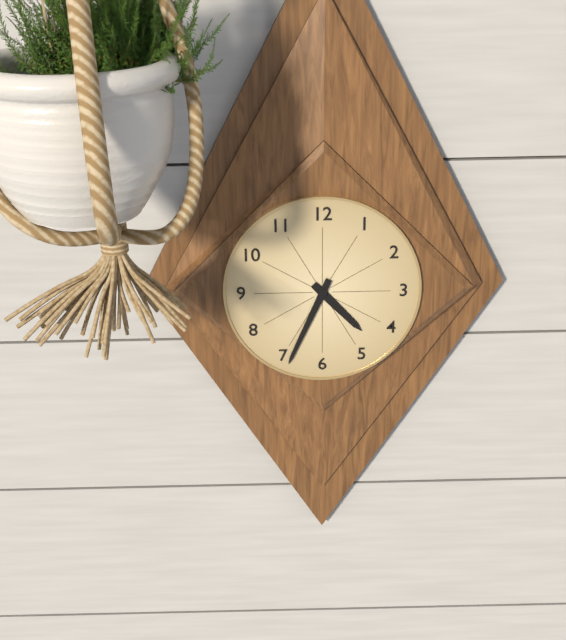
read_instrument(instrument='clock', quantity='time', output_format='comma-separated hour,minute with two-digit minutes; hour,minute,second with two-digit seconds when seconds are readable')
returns 4,34
